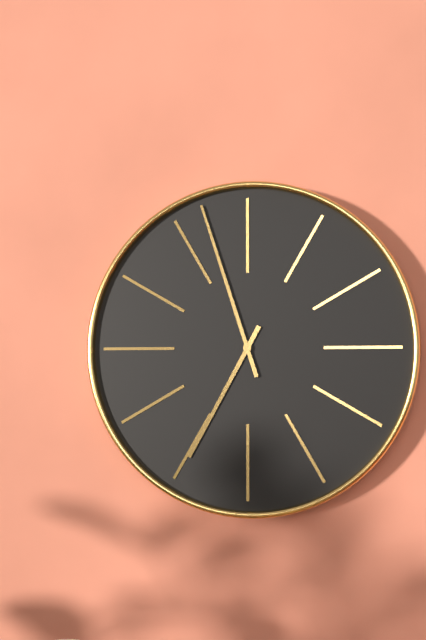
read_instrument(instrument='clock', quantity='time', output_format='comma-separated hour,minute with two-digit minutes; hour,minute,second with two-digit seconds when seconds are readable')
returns 6,57
